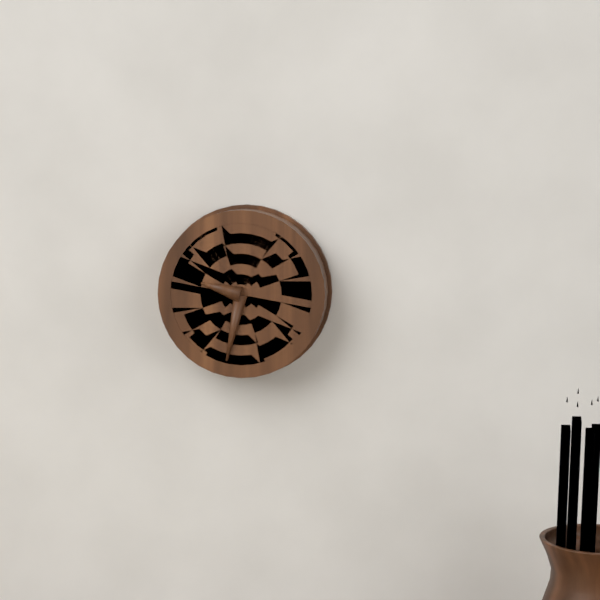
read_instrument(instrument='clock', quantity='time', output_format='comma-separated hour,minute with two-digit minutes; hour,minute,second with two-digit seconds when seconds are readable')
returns 9,32
